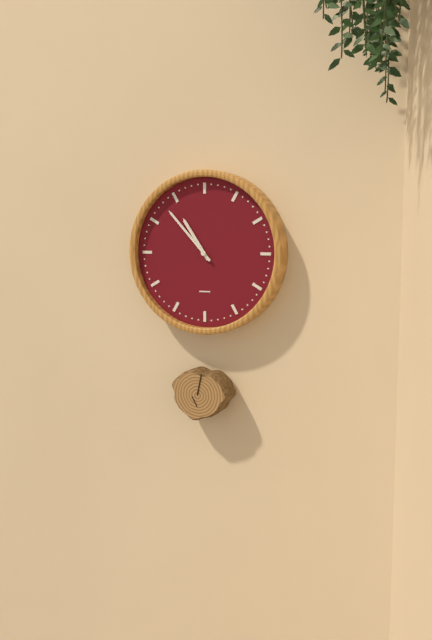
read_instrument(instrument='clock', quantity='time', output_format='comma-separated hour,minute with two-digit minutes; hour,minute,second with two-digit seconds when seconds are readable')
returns 10,53
